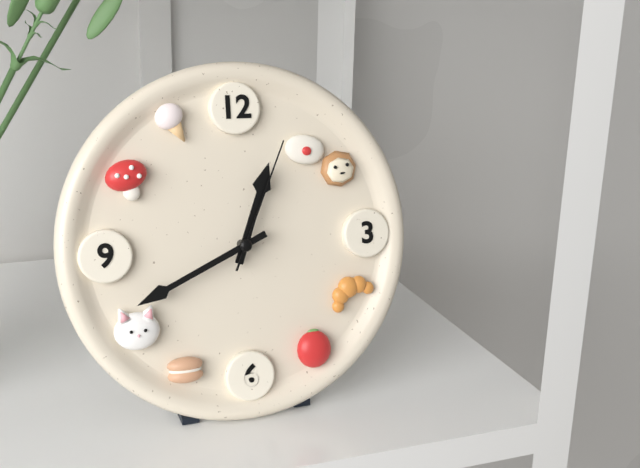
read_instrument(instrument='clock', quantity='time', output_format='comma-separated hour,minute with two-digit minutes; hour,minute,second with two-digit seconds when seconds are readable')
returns 12,41,04
